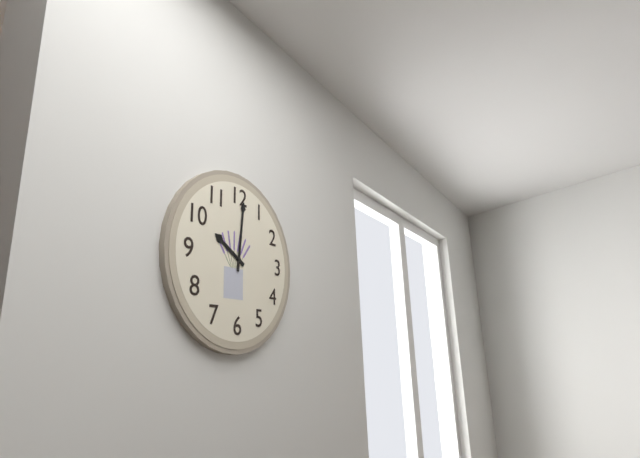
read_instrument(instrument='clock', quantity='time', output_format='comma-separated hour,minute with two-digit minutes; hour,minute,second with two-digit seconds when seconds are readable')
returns 10,01
